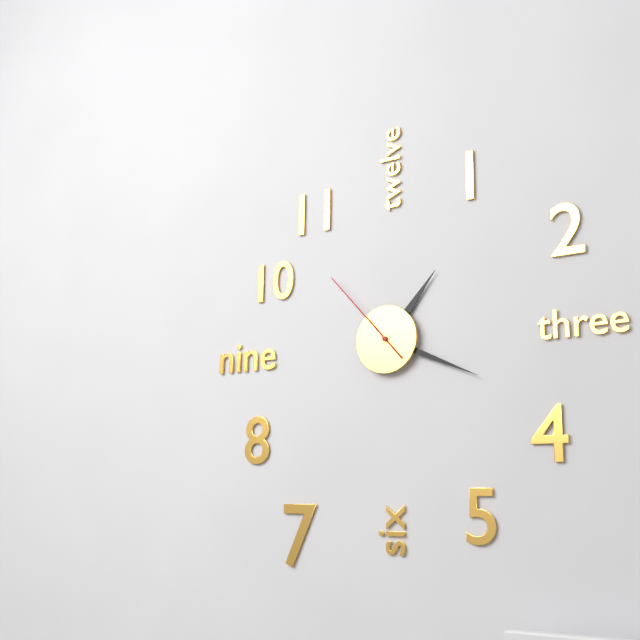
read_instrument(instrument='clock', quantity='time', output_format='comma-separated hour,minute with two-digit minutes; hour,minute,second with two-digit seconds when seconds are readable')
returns 1,19,53
